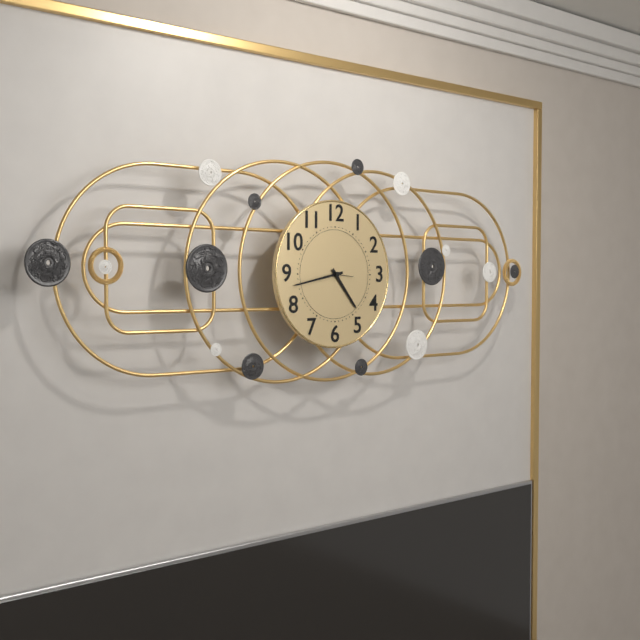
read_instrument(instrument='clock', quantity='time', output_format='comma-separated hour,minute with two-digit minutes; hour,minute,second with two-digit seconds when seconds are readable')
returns 4,43
